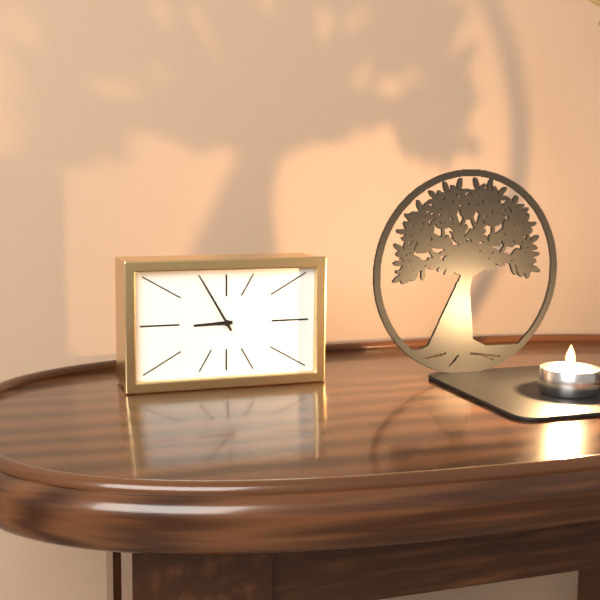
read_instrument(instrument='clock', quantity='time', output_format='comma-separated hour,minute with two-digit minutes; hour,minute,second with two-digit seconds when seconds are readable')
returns 8,55
